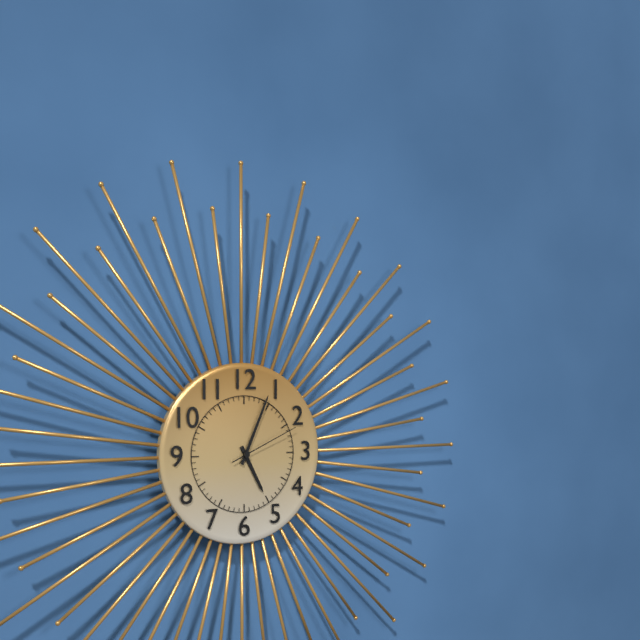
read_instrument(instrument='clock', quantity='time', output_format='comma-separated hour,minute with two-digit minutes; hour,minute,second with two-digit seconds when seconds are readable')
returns 5,04,11
